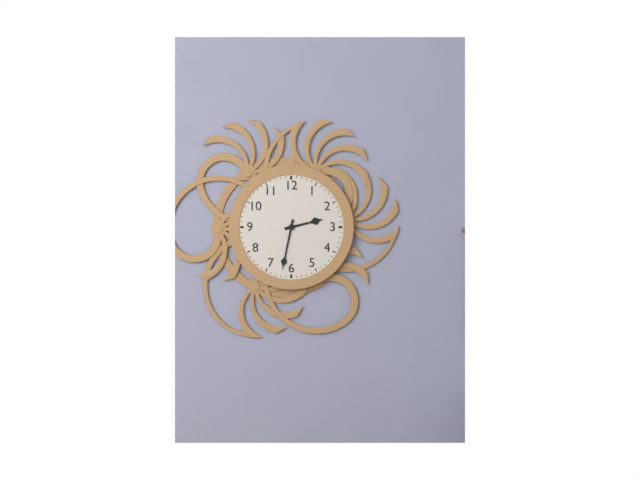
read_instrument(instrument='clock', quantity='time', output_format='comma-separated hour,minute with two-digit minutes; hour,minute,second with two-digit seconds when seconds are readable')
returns 2,32
